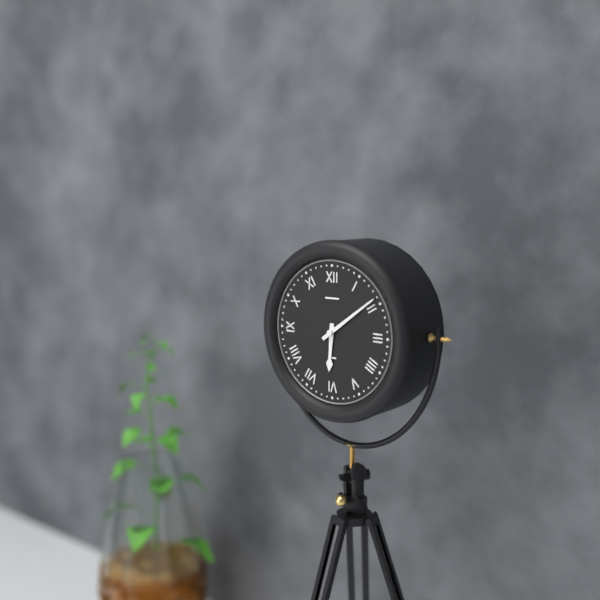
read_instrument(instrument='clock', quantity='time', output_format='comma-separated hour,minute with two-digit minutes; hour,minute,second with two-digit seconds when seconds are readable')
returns 6,09
